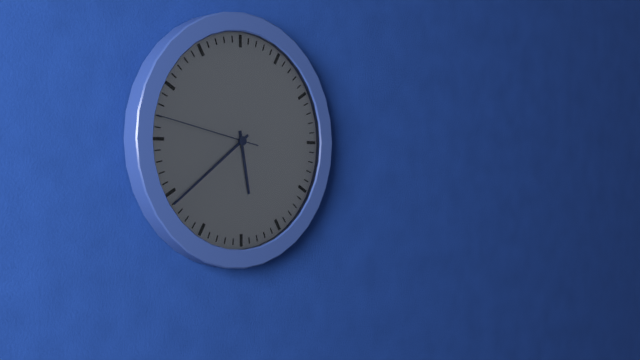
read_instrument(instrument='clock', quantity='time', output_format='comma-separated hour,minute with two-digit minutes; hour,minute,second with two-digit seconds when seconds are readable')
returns 5,39,47
